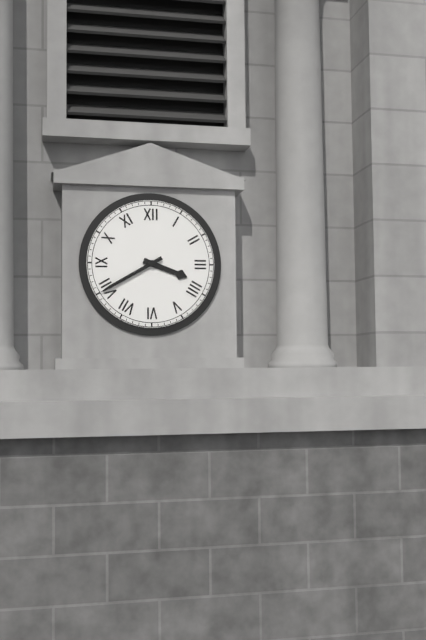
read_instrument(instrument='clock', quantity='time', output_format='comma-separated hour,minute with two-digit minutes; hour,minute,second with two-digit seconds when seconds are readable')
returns 3,40
